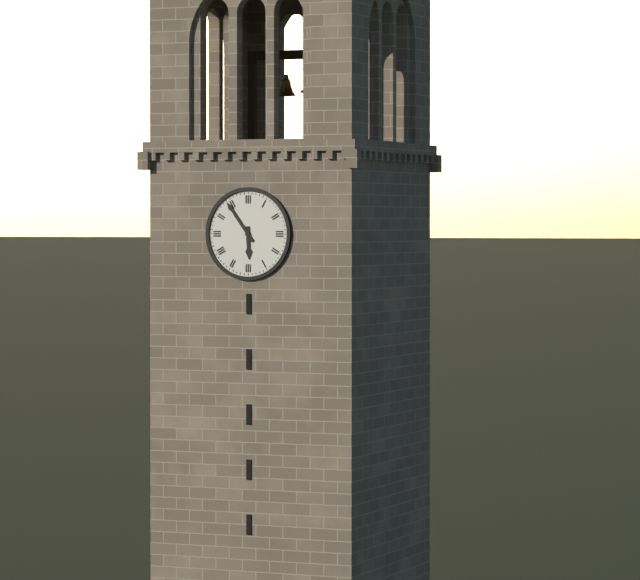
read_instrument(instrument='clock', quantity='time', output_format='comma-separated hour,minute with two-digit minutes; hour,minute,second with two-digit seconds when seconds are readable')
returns 5,54
